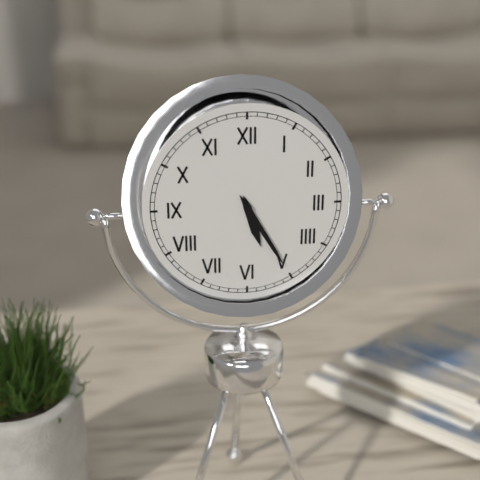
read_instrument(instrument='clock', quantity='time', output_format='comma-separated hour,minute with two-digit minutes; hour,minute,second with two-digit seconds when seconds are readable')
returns 5,25
